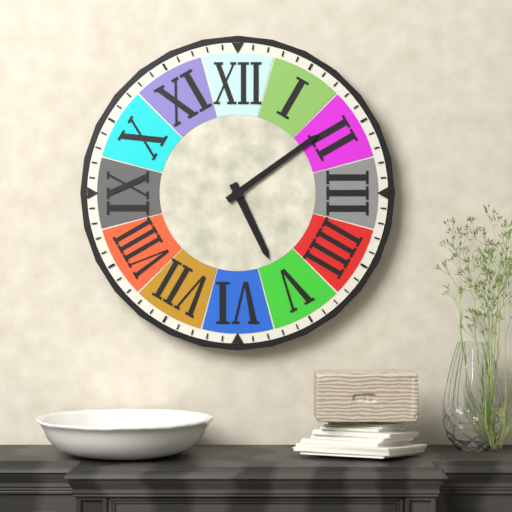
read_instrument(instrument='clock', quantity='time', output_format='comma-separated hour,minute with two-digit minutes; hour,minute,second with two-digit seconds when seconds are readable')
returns 5,09
